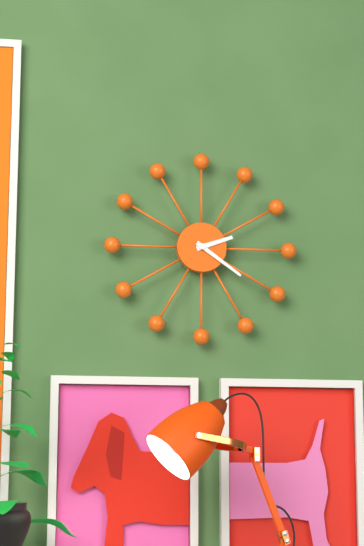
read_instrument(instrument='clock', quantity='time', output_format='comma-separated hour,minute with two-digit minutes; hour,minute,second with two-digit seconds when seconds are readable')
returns 2,21
